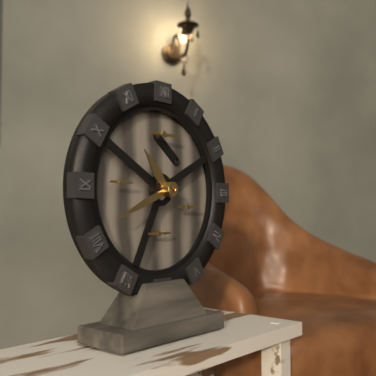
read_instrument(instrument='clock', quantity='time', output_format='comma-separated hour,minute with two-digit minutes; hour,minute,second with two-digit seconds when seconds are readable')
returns 10,41
